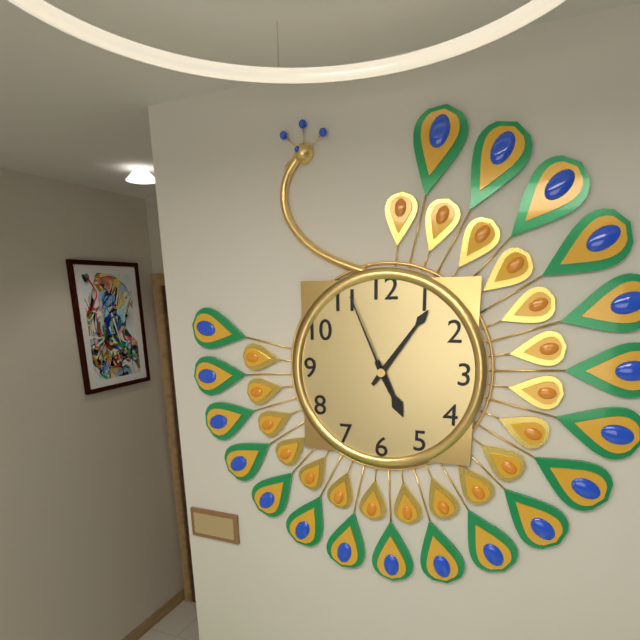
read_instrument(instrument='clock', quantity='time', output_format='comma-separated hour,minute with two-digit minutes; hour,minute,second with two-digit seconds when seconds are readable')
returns 5,06,56
